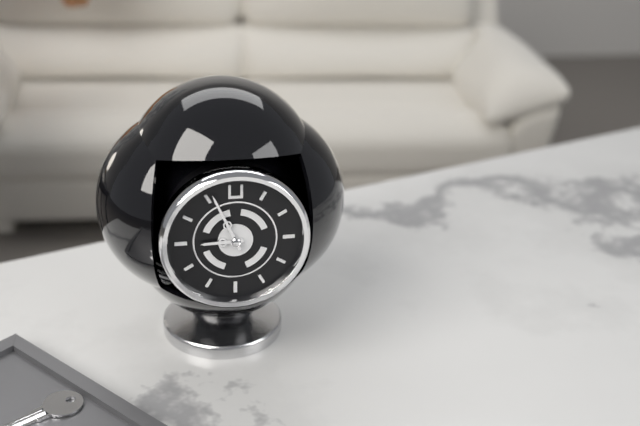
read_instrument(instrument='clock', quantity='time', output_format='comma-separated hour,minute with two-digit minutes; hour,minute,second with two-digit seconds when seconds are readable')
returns 8,56
